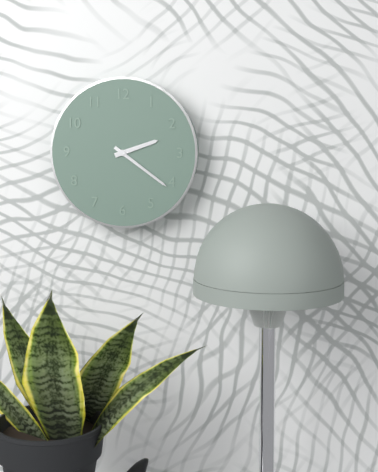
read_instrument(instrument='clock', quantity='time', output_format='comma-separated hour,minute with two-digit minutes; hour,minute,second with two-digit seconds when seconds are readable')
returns 2,21
